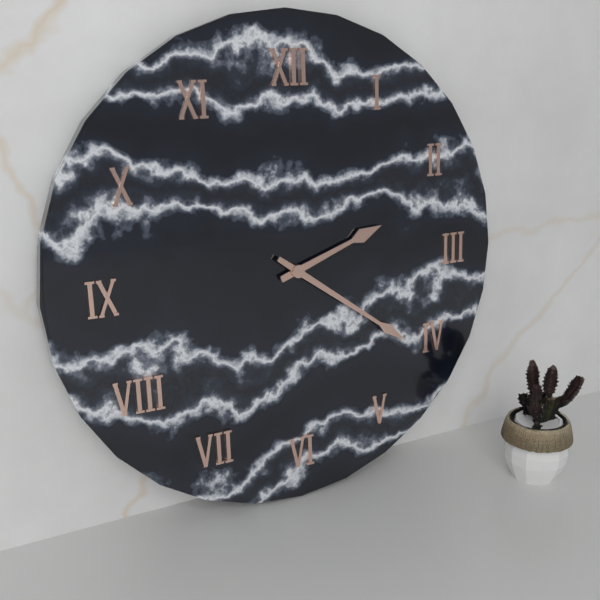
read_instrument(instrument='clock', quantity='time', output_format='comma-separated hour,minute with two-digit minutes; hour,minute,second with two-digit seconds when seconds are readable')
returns 2,21
